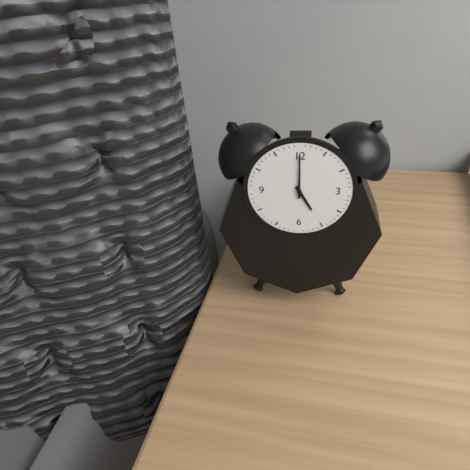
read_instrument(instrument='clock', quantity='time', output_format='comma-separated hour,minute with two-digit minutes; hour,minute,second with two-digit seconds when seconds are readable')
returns 5,00
